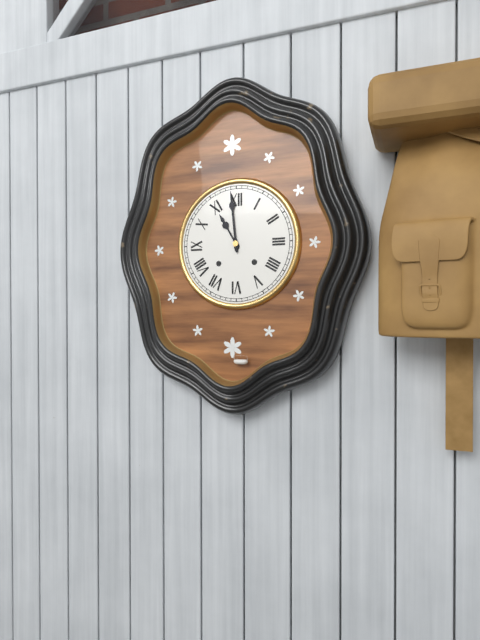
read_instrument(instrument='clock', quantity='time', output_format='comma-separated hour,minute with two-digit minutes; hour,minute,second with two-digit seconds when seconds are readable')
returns 10,59
